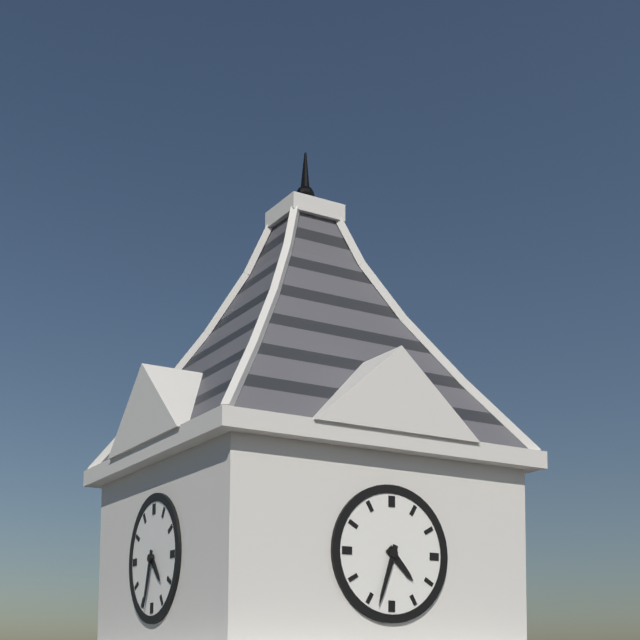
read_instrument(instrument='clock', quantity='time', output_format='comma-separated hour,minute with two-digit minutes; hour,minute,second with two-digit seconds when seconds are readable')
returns 4,33
